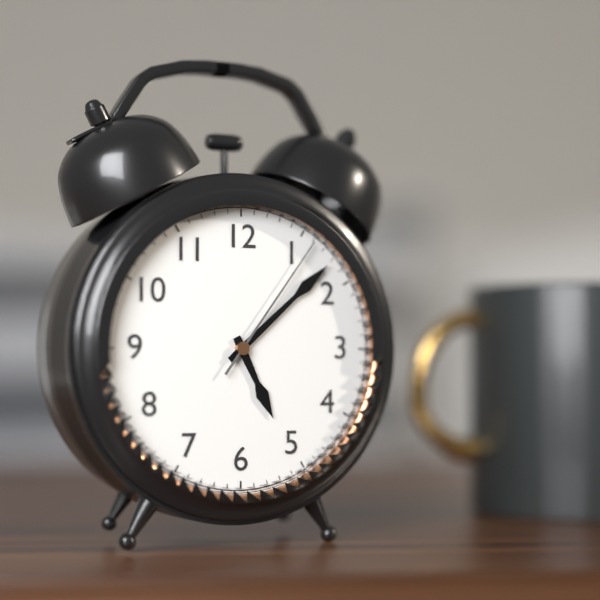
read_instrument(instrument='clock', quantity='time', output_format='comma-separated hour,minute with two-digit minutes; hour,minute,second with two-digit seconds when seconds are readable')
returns 5,08,06
